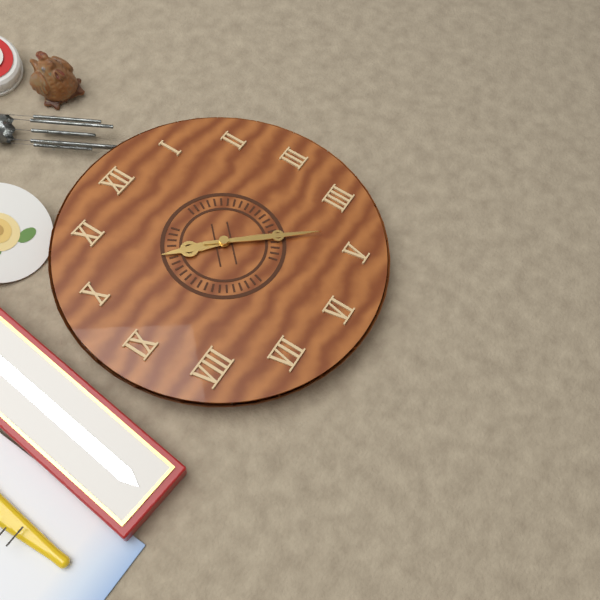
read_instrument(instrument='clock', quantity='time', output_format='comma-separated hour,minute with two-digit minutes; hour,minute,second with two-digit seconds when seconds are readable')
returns 10,23
